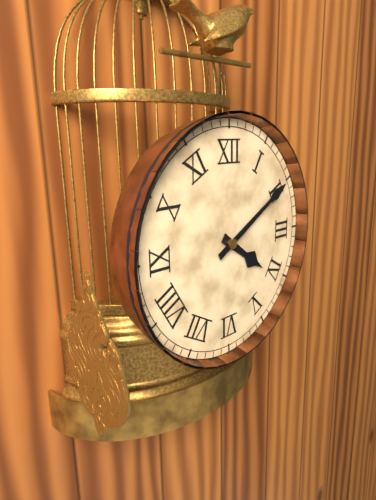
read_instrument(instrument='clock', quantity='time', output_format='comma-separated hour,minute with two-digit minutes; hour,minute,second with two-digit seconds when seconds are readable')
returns 4,10
